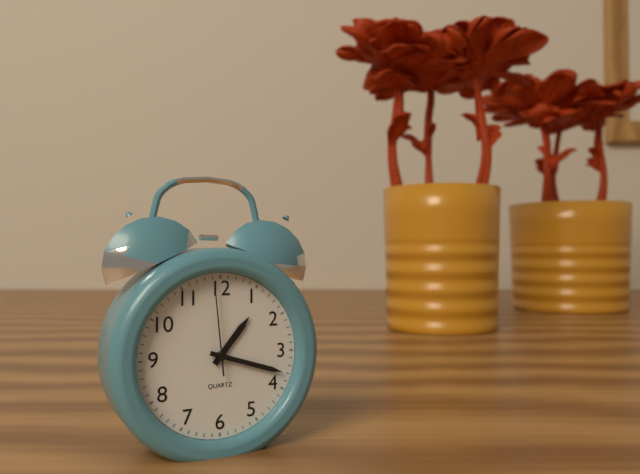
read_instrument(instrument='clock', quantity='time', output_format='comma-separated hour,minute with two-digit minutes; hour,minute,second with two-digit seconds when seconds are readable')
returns 1,18,59
